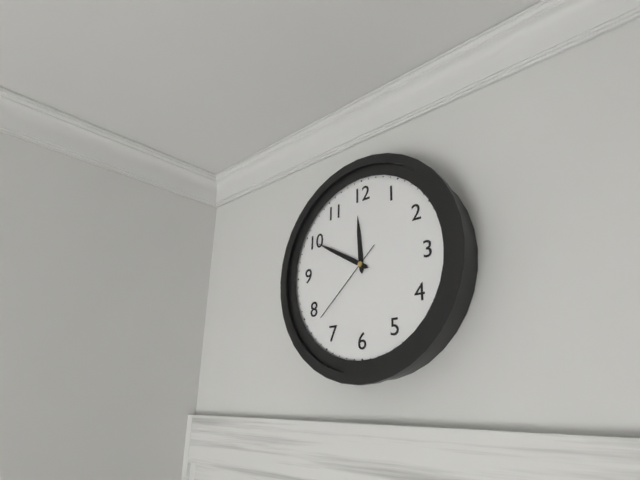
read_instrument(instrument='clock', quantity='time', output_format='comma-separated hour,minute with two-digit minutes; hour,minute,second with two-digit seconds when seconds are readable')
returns 11,50,38
